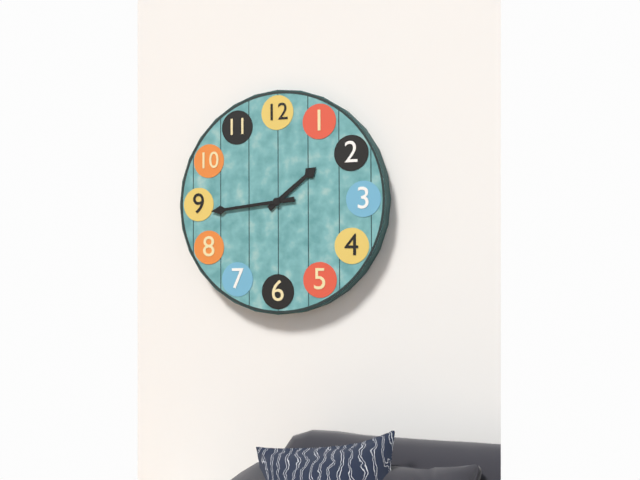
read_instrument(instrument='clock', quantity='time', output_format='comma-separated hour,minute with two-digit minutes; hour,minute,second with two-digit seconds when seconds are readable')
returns 1,44
